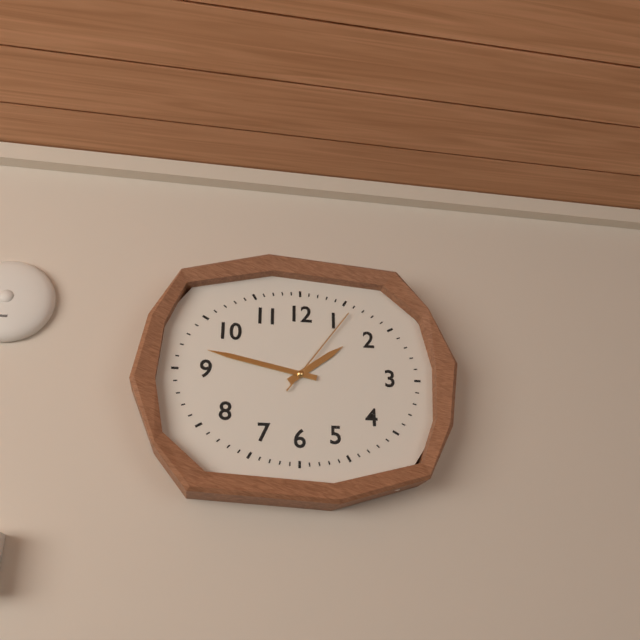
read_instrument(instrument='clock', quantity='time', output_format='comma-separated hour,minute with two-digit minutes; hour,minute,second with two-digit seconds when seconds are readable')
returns 1,47,06
